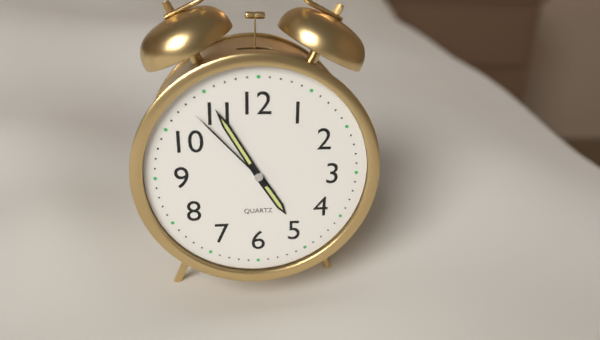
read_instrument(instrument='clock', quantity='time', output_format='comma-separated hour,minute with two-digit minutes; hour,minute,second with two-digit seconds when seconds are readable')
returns 4,55,53
